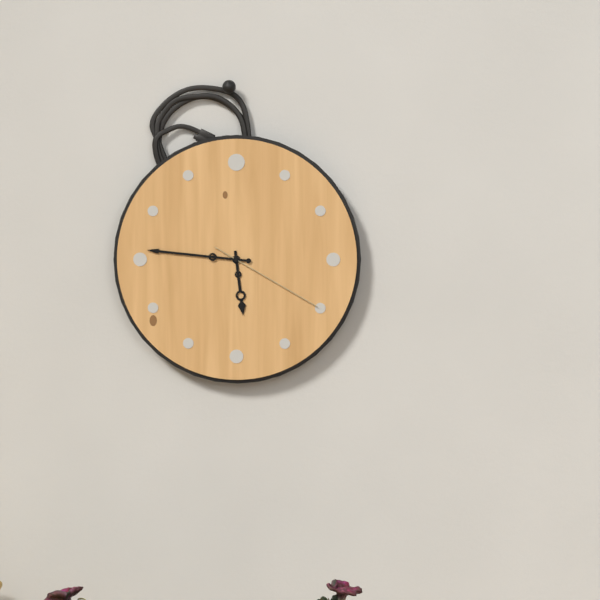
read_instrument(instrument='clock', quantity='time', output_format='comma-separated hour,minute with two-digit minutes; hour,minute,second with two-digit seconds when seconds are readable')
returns 5,46,20
